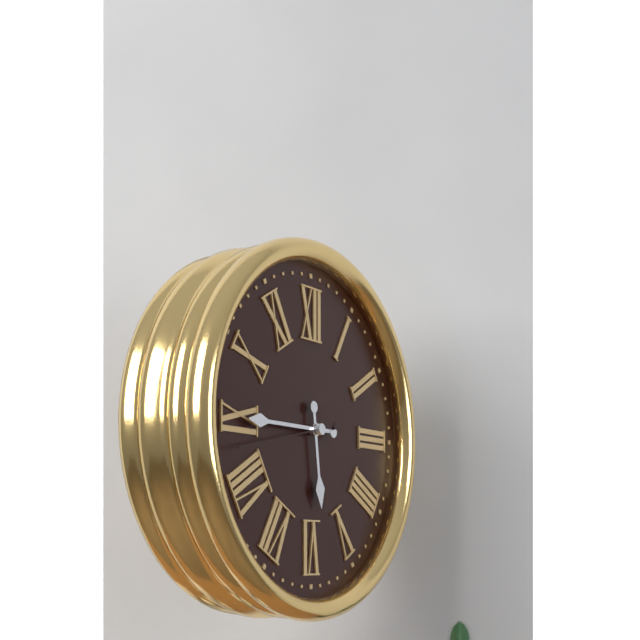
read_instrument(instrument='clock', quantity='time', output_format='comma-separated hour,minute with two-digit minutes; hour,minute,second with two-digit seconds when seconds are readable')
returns 5,45,43
